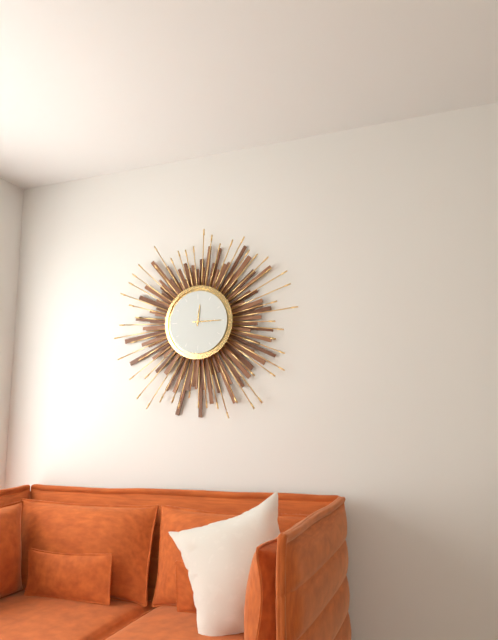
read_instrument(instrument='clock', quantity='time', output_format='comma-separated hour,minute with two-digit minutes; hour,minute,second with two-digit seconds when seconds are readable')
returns 12,15
